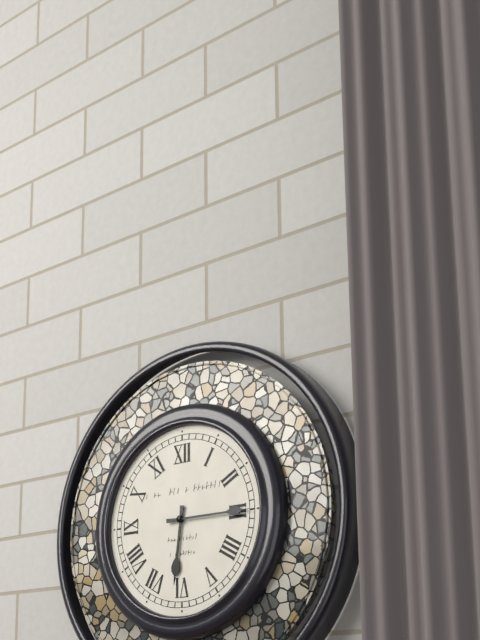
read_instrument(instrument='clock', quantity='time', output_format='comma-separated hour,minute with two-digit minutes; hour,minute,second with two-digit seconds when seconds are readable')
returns 6,15
